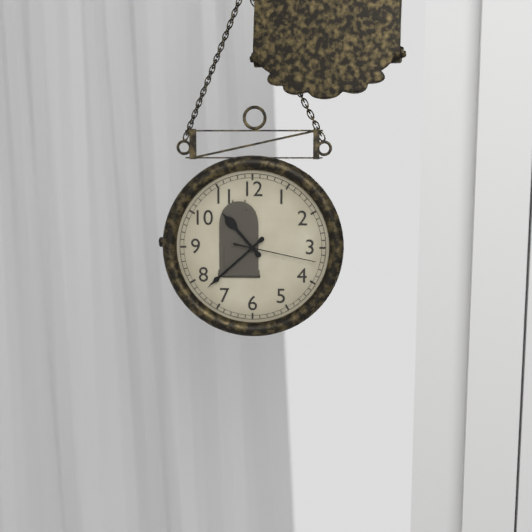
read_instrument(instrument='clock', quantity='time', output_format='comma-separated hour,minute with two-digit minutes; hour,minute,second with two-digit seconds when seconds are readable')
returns 10,38,17
